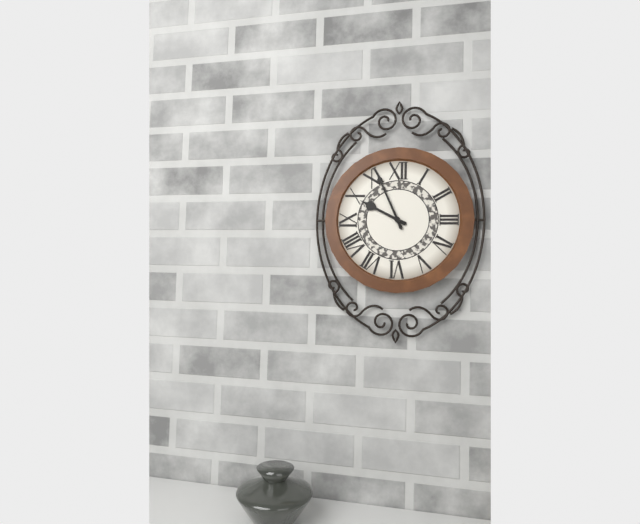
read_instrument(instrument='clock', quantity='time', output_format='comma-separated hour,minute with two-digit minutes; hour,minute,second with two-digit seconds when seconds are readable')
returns 9,56
